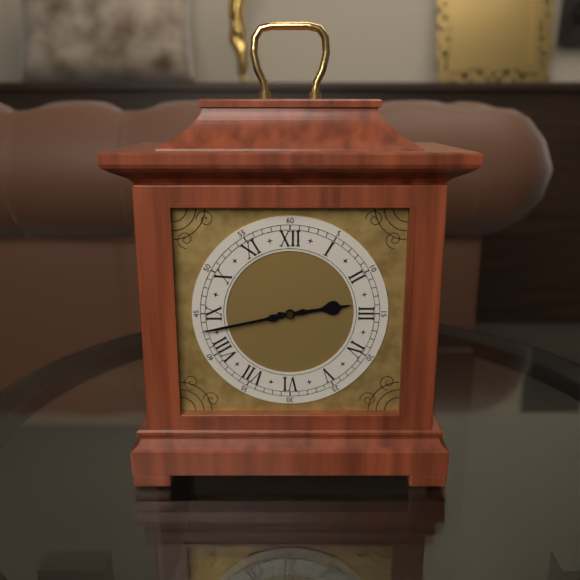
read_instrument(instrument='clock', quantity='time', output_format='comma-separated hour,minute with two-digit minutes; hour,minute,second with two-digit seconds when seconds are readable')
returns 2,43
